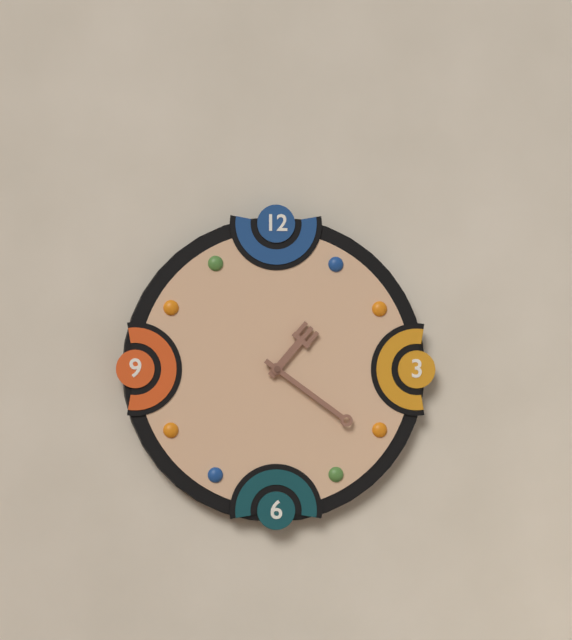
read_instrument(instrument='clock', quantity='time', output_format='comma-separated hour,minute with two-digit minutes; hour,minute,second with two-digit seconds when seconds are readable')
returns 1,21
